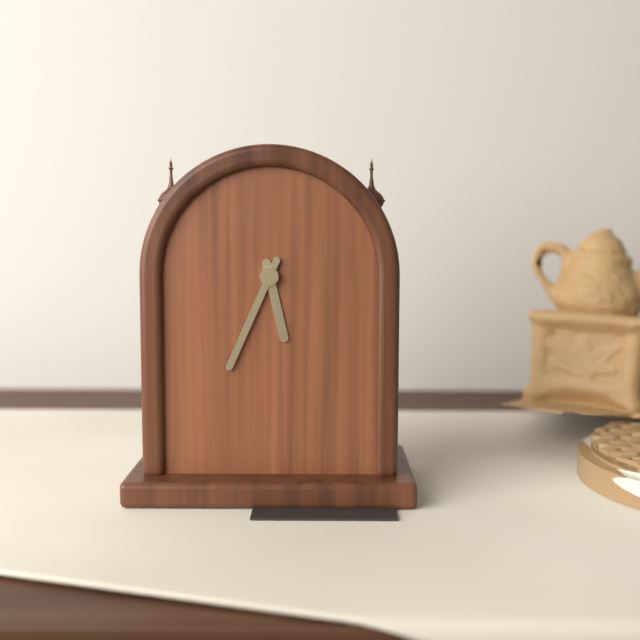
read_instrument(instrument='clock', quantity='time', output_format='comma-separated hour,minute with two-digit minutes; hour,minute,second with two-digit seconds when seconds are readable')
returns 5,34
